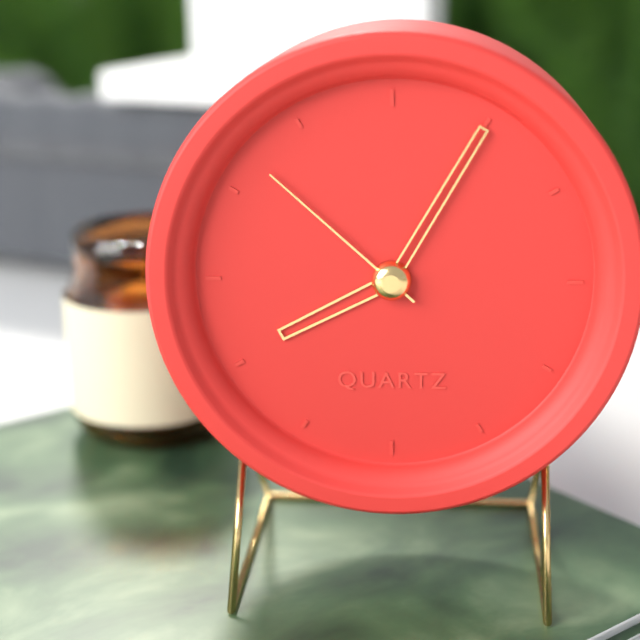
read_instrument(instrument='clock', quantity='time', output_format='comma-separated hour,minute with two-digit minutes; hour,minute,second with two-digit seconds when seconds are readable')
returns 8,05,52
